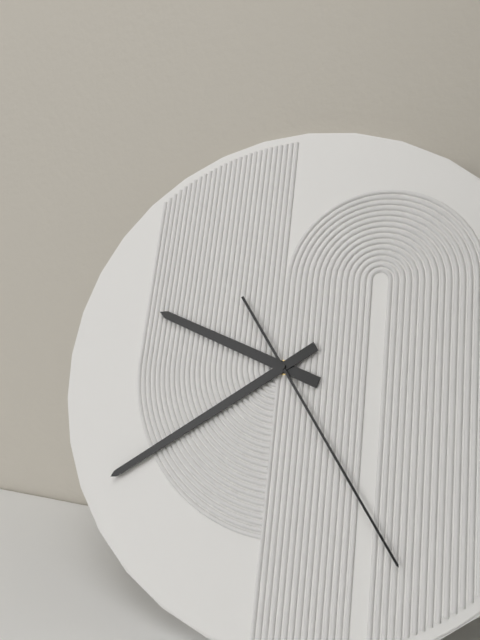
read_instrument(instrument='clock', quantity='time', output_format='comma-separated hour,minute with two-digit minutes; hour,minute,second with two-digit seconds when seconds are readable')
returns 9,39,24
